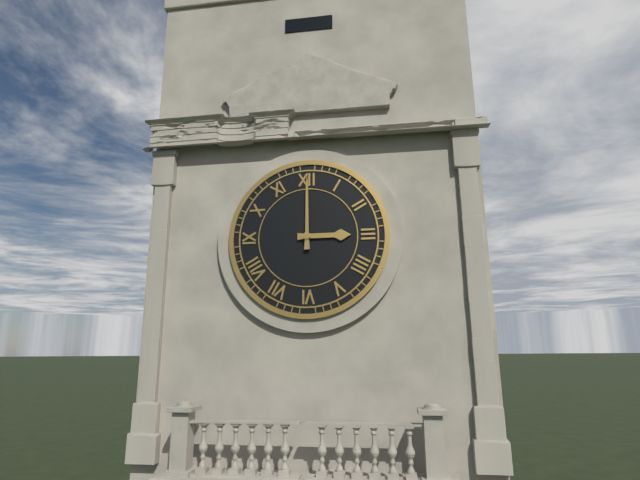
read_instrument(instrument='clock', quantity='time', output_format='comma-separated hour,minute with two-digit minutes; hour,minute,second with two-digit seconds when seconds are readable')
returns 3,00
